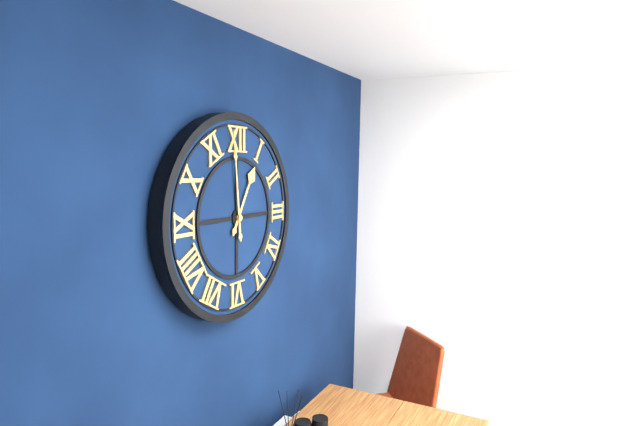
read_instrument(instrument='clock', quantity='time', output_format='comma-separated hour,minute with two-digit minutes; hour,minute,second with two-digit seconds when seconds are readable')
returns 12,59
